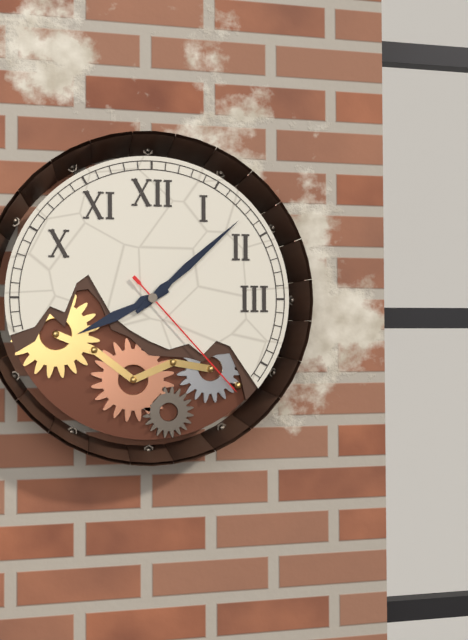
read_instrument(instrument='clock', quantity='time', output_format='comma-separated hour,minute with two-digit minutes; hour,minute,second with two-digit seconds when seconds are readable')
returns 8,08,23
